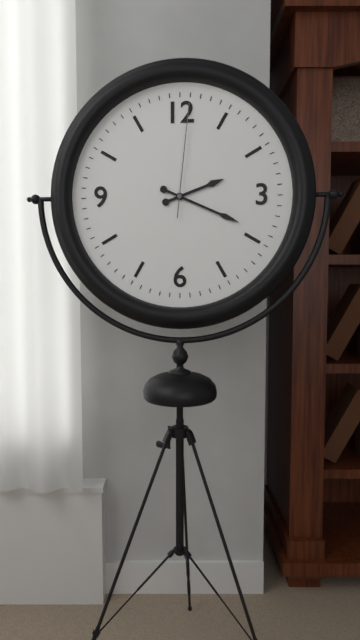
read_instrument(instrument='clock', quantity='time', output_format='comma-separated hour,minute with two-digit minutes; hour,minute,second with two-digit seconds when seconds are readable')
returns 2,19,01
